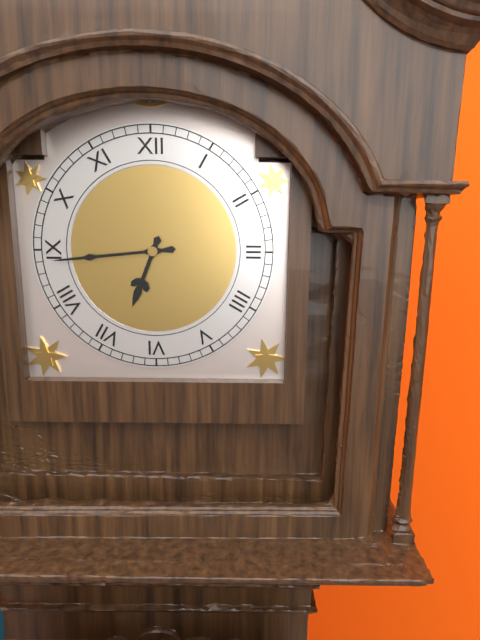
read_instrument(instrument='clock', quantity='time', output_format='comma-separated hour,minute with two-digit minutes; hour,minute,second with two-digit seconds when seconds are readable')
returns 6,44
